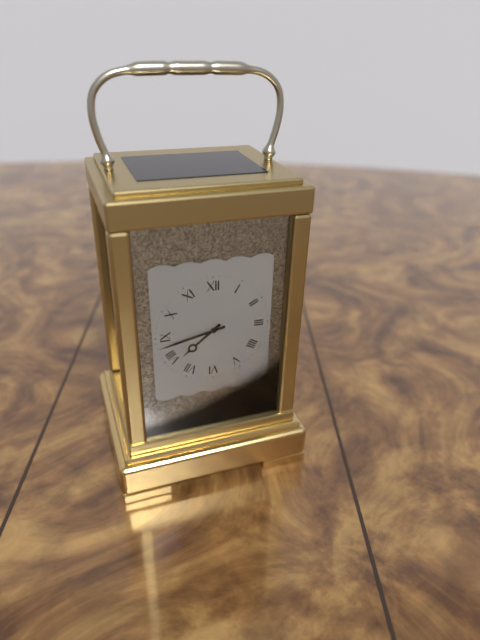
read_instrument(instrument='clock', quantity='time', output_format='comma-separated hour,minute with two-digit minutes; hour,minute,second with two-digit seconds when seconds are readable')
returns 7,43
